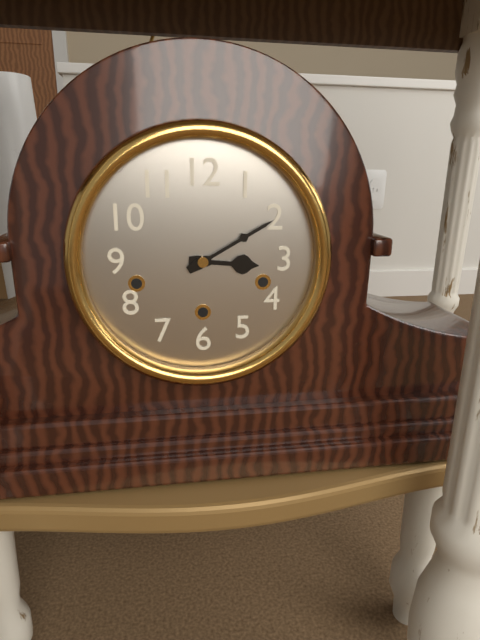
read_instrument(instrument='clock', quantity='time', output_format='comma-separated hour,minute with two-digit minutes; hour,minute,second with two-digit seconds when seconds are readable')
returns 3,10
